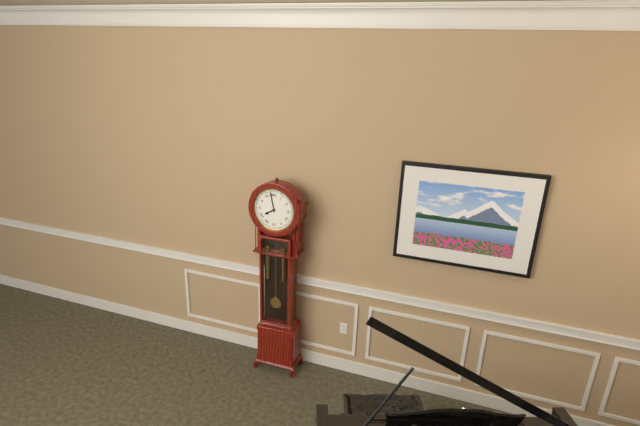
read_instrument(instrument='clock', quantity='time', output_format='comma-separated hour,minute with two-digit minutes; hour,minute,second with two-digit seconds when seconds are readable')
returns 7,58
